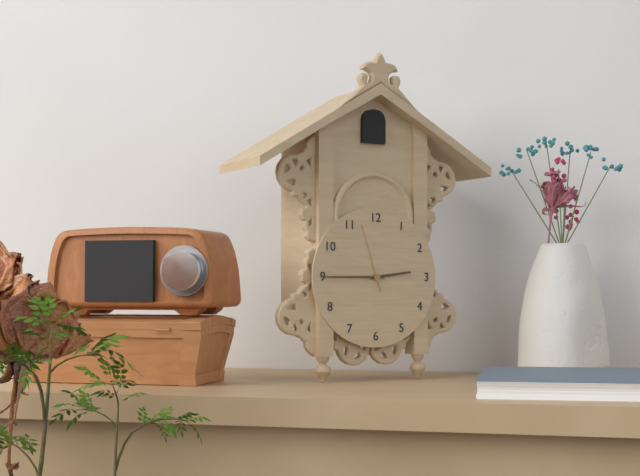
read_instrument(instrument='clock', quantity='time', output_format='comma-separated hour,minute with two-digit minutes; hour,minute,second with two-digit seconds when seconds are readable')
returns 2,45,57
